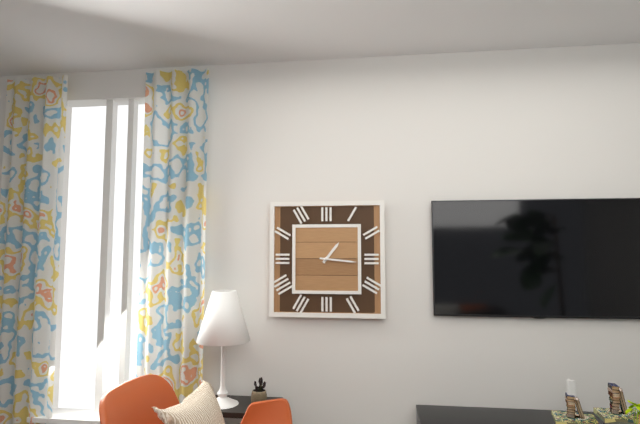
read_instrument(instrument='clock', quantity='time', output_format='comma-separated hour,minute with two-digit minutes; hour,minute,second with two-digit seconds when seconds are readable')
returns 1,16
